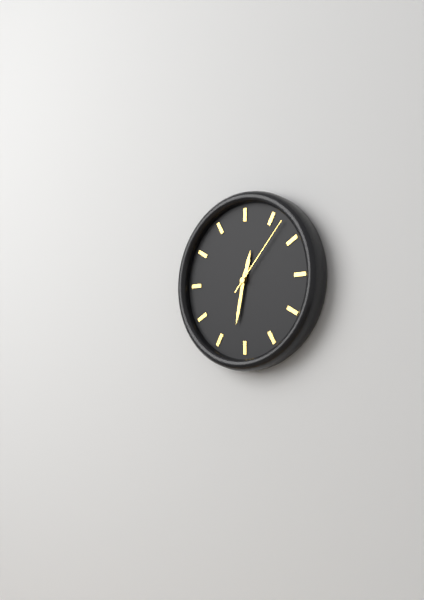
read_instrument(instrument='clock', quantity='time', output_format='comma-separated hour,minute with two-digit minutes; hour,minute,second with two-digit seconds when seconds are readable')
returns 12,32,07
